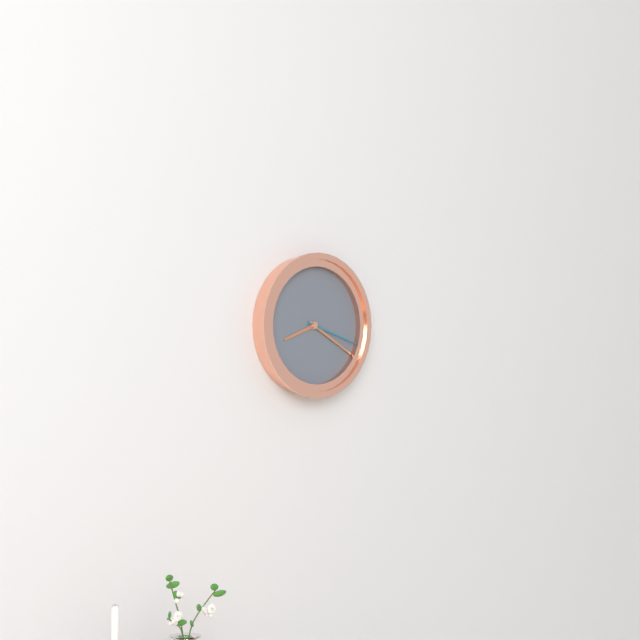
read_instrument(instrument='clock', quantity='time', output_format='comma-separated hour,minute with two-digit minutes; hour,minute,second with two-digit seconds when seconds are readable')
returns 8,20,18
